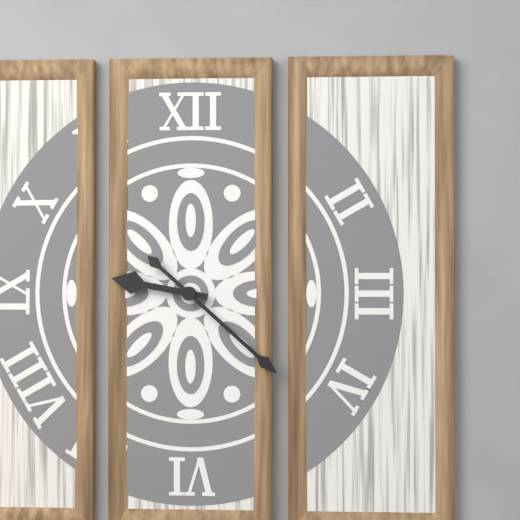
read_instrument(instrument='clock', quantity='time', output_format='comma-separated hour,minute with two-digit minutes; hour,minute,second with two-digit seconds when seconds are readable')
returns 9,22
